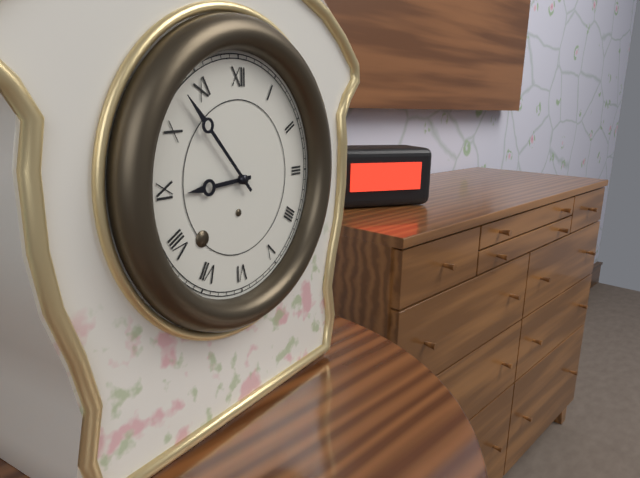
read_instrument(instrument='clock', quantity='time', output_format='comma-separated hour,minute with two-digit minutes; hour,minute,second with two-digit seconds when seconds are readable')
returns 8,53
